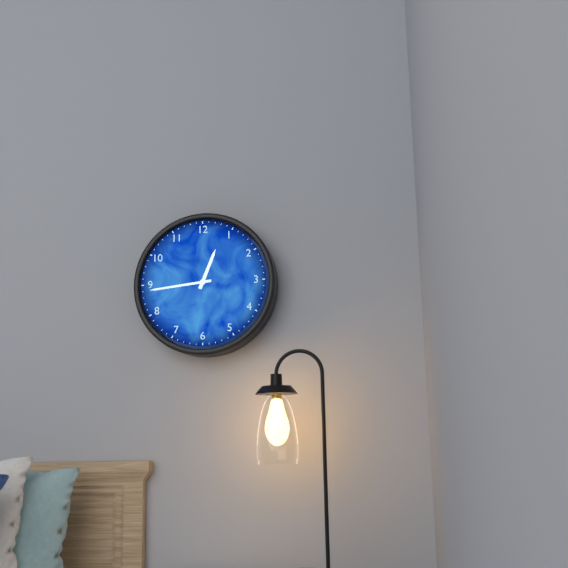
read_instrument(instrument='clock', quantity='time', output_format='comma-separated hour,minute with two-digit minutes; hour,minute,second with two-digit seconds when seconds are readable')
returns 12,44
